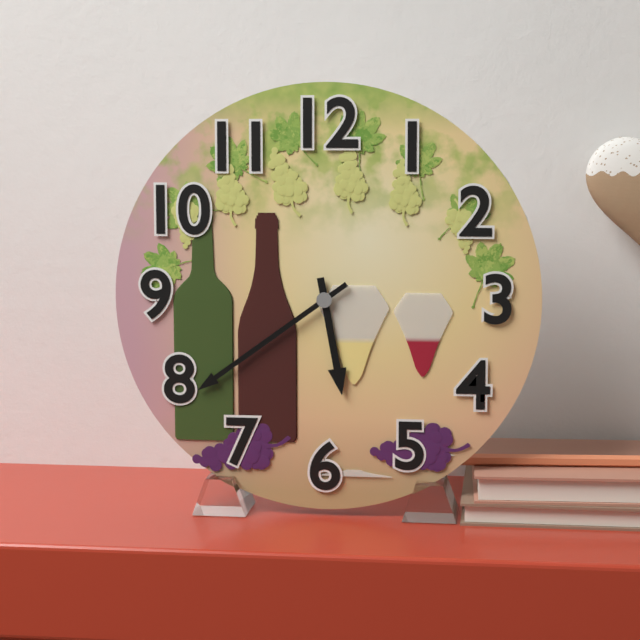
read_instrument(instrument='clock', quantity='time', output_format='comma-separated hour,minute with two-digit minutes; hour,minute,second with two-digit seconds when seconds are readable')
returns 5,39
